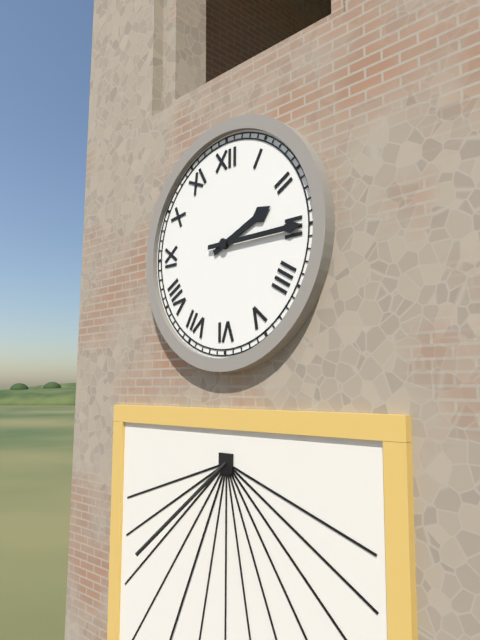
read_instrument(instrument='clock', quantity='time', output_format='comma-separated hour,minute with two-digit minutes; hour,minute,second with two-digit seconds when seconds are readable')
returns 2,15
